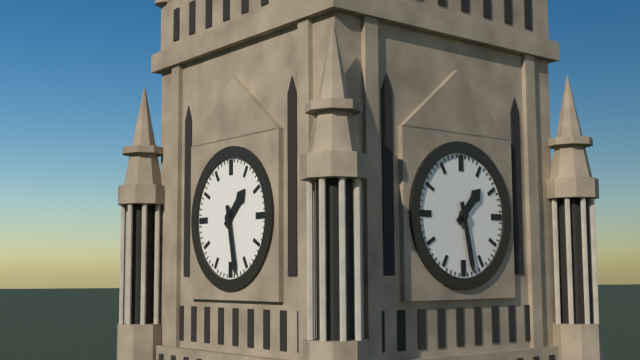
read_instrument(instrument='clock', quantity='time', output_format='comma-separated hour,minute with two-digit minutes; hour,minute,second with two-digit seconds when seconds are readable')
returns 1,28
